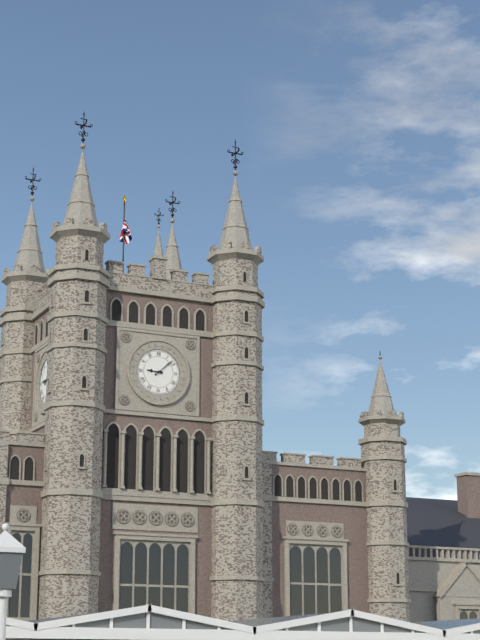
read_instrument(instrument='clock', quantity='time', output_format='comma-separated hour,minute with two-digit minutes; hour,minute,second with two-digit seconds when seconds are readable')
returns 9,08
